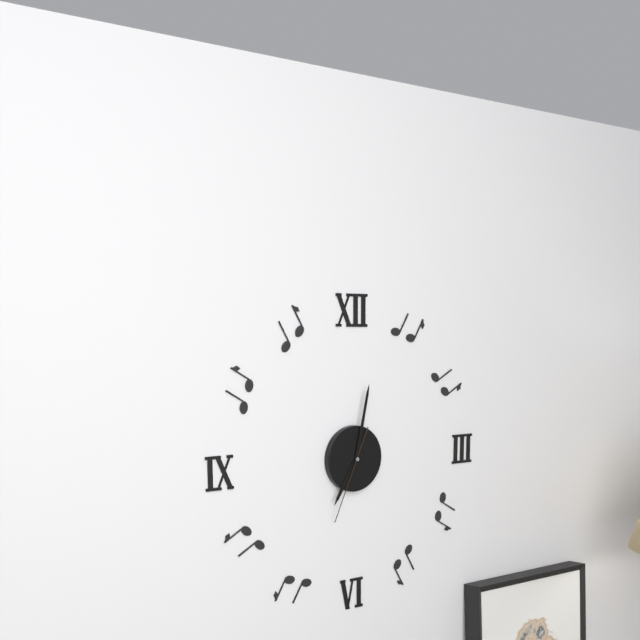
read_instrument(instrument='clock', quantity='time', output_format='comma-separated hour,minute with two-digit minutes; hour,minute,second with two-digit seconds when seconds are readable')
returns 7,02,34
